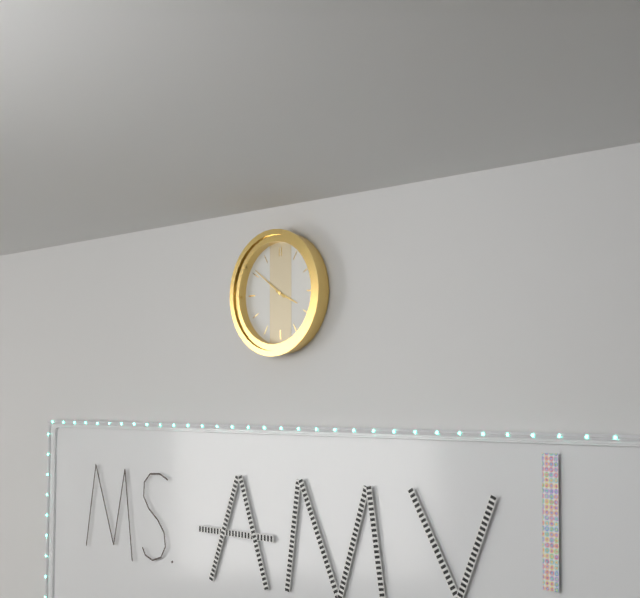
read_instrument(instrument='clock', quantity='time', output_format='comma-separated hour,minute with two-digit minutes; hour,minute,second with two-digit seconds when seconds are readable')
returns 3,51
